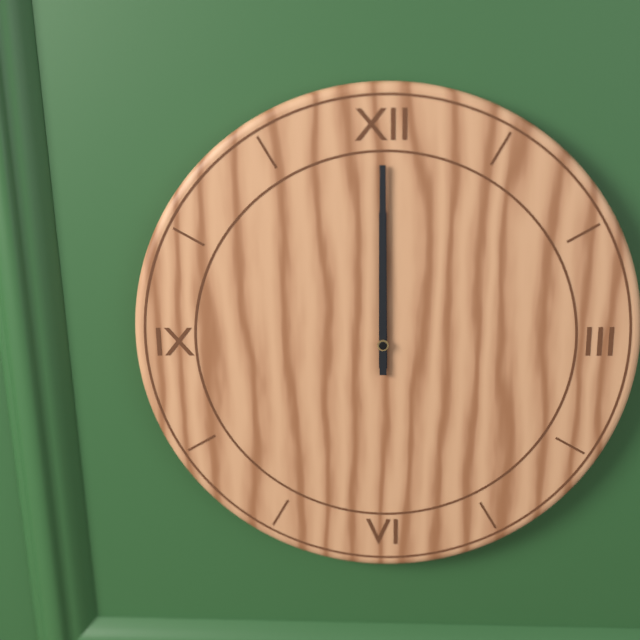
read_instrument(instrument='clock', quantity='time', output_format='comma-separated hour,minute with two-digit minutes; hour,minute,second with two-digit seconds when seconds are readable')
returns 12,00
